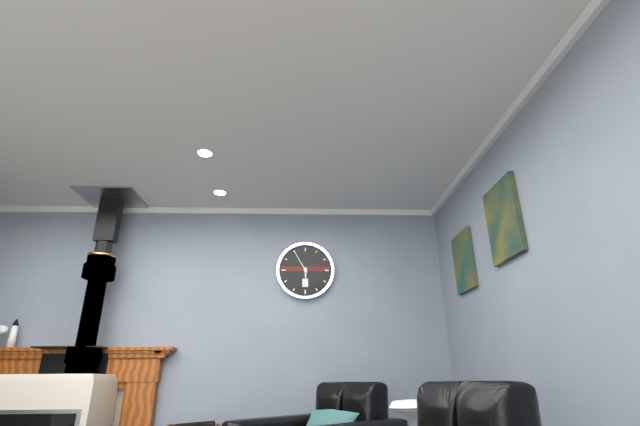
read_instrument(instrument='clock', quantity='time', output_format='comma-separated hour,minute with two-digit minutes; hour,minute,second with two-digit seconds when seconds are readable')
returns 5,55
